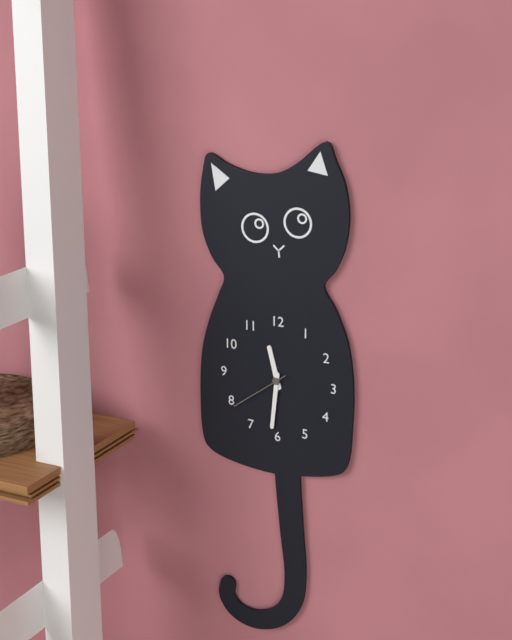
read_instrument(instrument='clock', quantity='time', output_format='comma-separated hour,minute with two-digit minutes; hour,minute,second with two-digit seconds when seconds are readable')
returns 11,31,39
